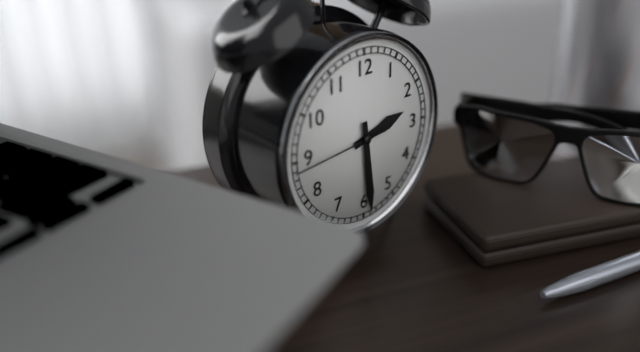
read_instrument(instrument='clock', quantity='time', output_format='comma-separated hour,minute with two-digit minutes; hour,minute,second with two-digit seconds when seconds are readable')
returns 2,29,44
